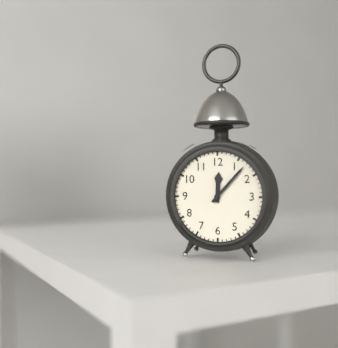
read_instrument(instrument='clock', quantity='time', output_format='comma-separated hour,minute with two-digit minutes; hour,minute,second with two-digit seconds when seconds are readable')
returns 12,07
